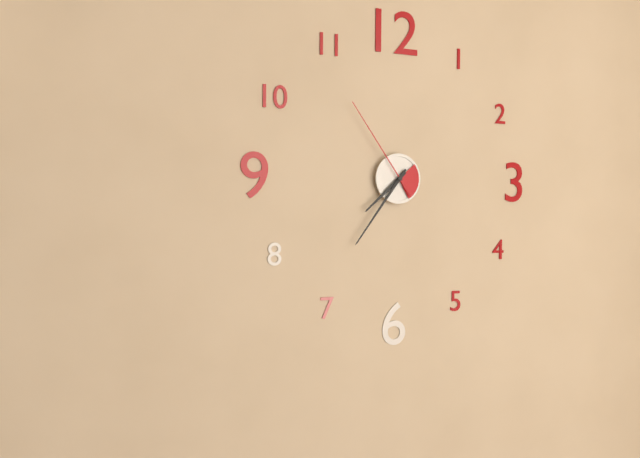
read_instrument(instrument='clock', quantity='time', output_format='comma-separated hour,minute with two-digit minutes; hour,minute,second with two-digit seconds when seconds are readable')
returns 7,36,54
